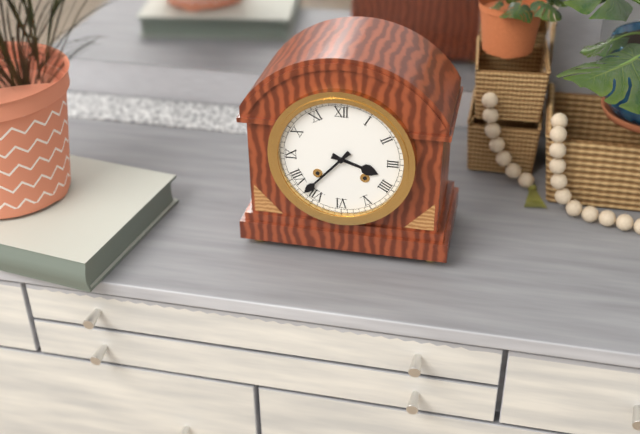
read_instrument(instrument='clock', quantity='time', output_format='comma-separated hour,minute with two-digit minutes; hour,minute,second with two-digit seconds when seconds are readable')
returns 3,37
